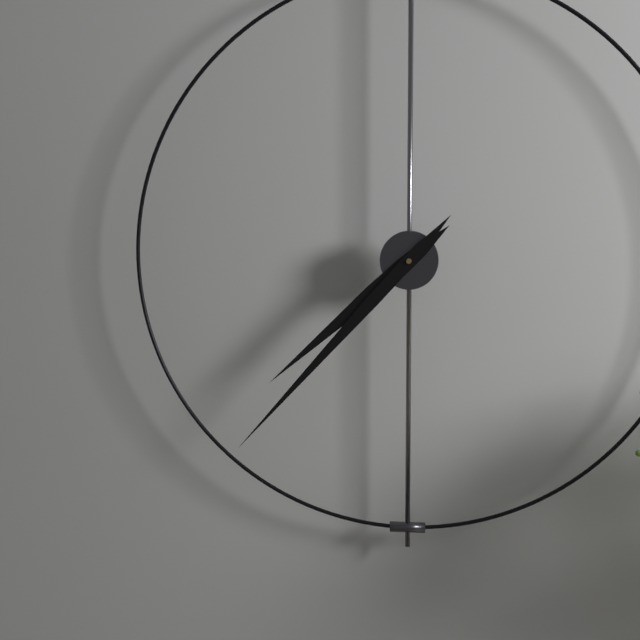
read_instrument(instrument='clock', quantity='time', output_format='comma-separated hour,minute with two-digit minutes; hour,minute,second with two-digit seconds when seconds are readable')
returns 7,37
